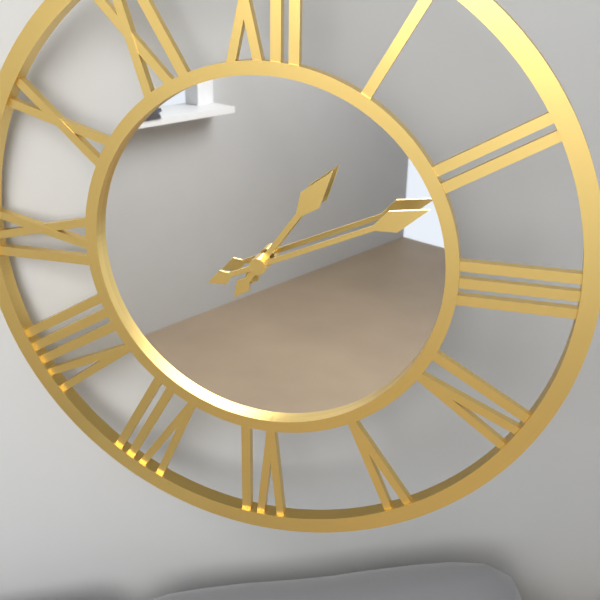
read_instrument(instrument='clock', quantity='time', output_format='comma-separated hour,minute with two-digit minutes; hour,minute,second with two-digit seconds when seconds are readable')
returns 1,11
